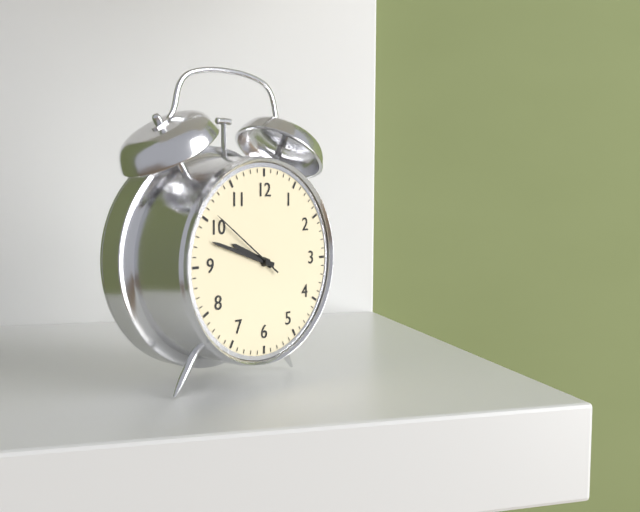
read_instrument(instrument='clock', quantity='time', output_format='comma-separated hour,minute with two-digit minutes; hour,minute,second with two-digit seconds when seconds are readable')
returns 9,48,51
